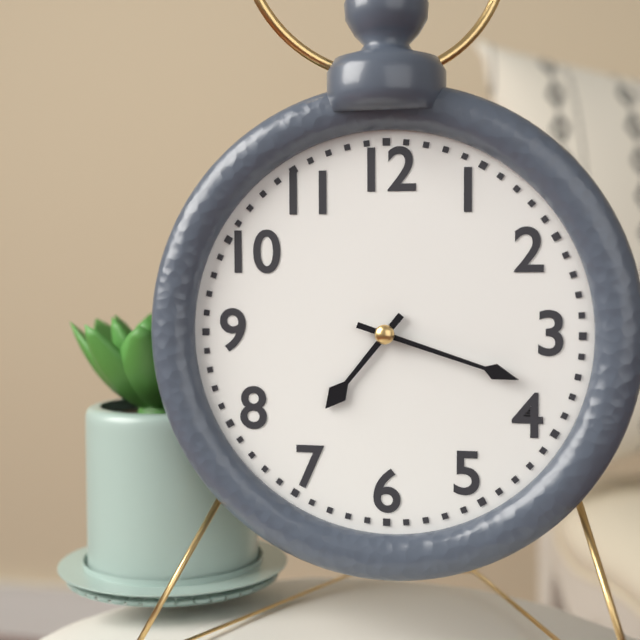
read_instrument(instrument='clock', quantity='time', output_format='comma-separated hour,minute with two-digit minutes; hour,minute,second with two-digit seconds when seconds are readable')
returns 7,18
